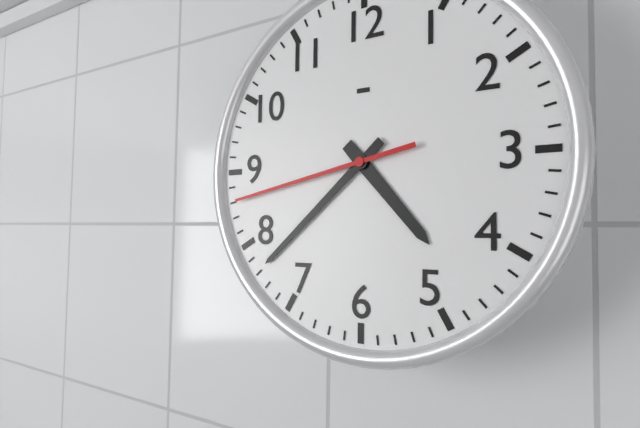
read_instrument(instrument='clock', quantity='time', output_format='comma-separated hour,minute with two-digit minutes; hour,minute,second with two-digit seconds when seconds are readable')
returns 4,38,43
